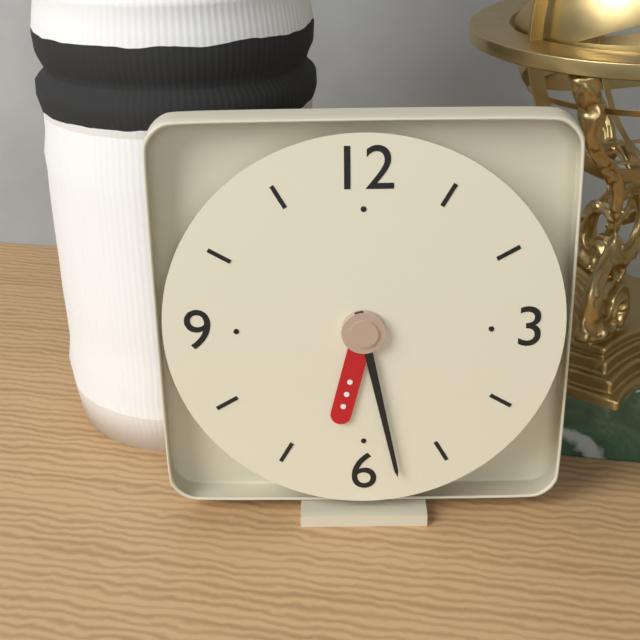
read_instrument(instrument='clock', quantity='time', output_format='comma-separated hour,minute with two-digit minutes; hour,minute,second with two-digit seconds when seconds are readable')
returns 6,28
